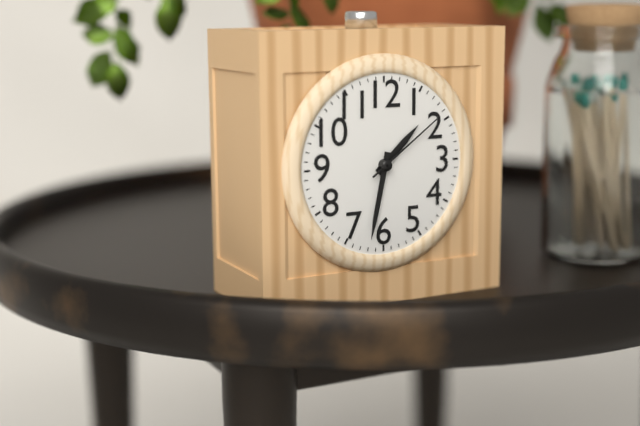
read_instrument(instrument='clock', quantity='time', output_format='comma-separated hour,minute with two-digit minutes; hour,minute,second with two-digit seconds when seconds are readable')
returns 1,32,09
